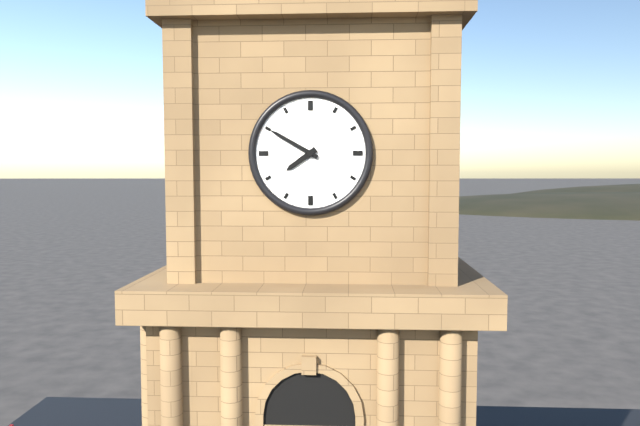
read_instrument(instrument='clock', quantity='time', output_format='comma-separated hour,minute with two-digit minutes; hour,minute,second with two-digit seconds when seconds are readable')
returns 7,50
